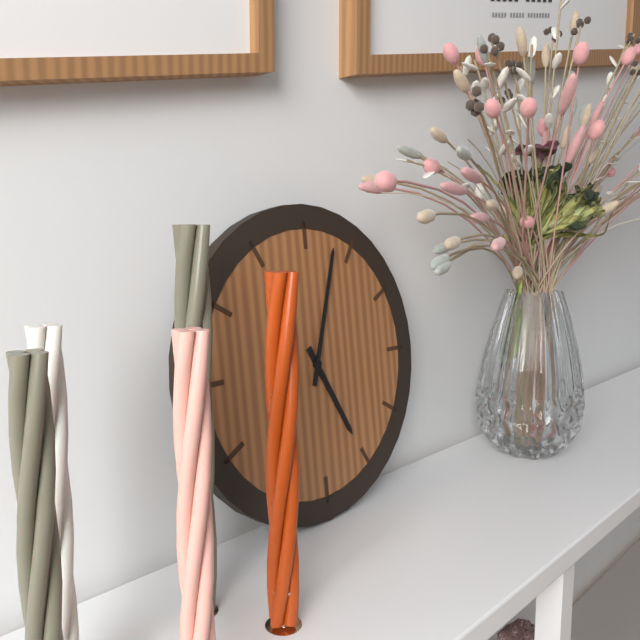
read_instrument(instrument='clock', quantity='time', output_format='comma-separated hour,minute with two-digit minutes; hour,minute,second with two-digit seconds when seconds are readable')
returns 5,03
